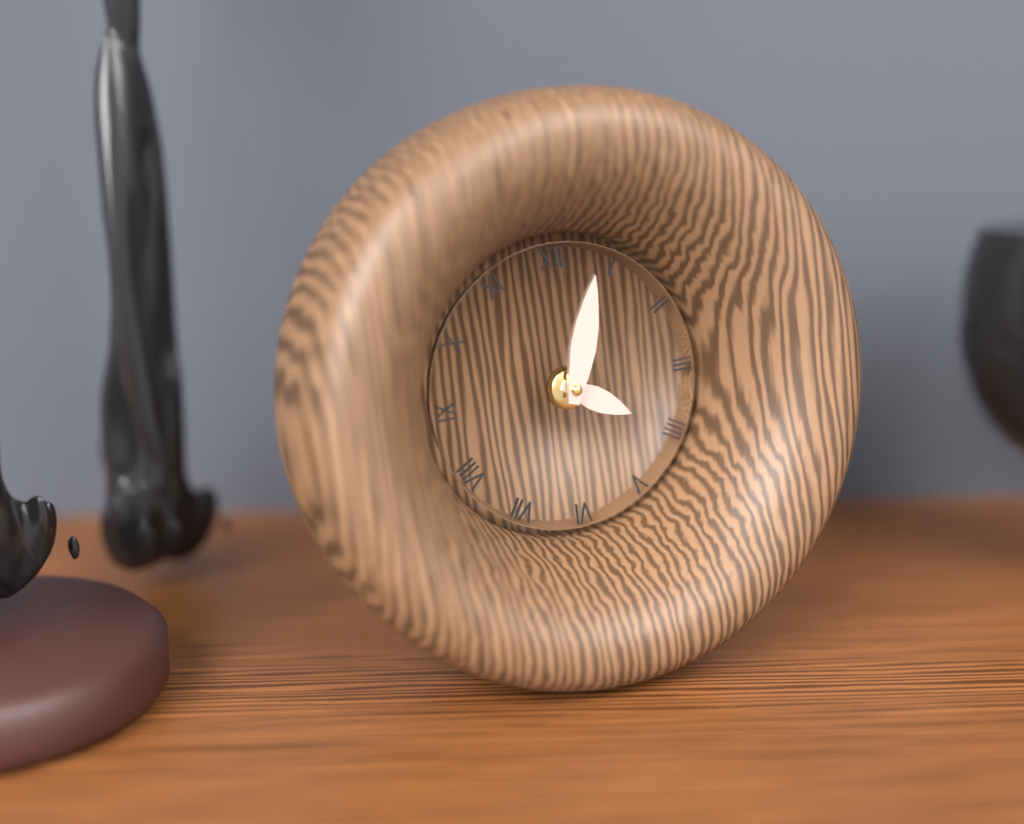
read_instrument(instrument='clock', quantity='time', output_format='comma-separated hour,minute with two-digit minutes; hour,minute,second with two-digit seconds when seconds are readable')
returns 4,03
